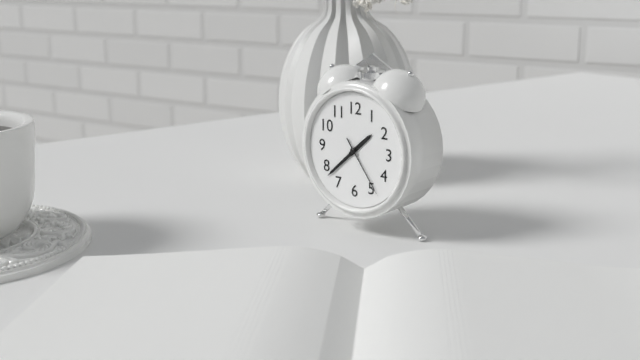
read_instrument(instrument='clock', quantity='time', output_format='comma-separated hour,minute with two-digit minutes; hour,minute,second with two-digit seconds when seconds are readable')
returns 1,38,24
